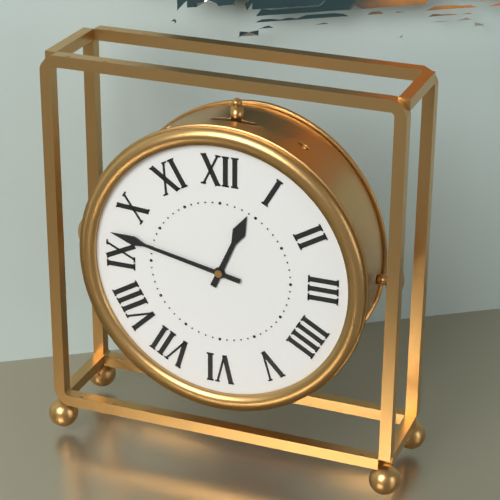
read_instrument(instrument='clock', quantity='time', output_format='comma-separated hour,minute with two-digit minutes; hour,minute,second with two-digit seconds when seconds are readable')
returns 12,47
